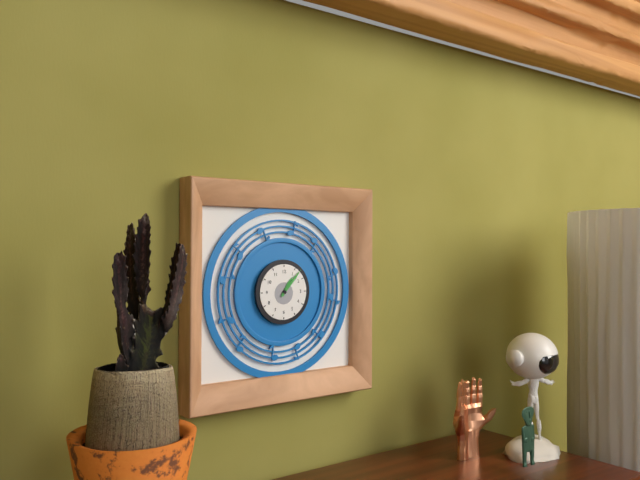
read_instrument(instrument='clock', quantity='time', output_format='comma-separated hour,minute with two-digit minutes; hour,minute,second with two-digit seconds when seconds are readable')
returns 1,07
